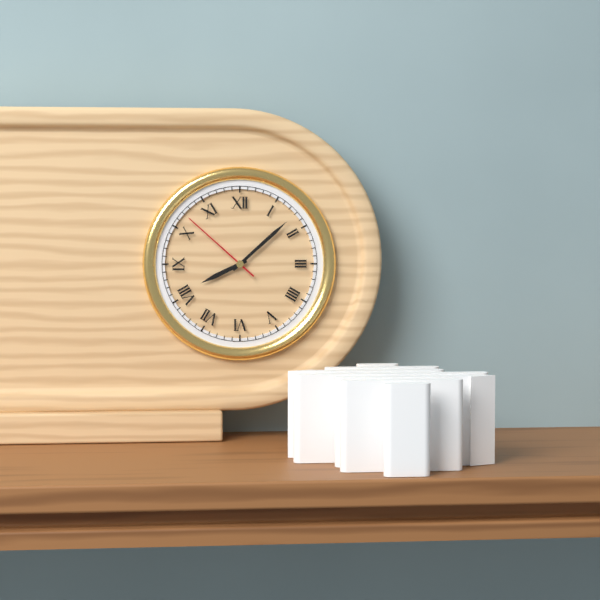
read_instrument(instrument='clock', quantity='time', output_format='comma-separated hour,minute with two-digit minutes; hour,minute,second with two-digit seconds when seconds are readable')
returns 8,08,52
